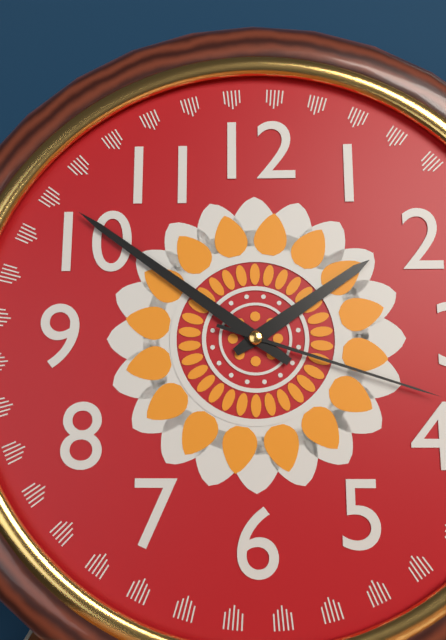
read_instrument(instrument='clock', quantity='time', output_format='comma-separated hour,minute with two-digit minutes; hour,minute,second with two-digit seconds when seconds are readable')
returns 1,51,18
